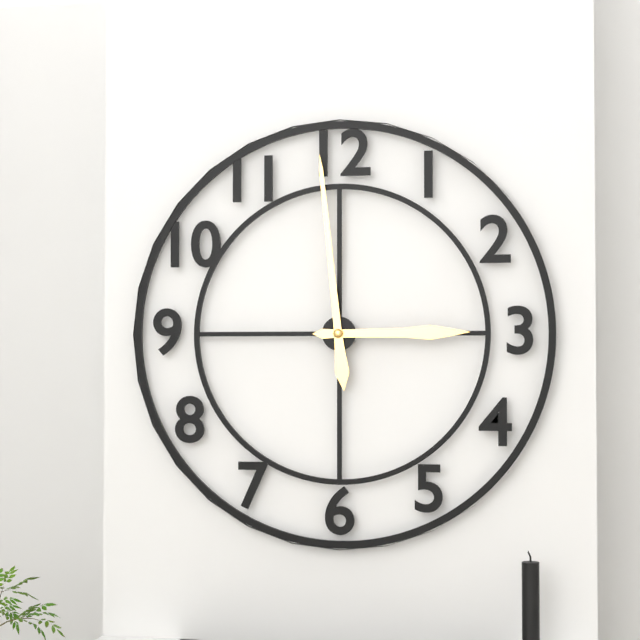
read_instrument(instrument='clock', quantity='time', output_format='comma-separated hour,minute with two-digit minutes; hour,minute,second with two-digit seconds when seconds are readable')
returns 2,59
